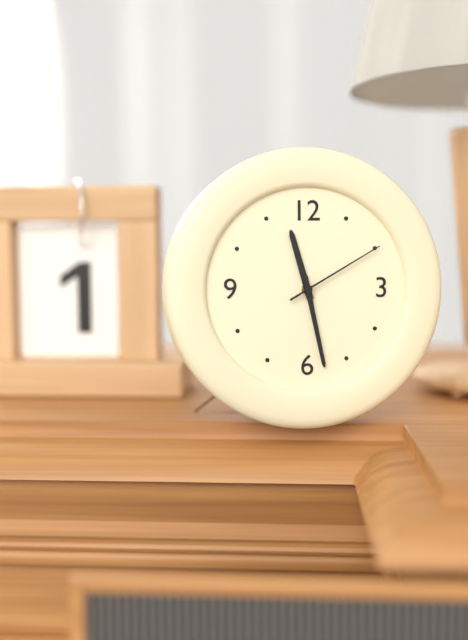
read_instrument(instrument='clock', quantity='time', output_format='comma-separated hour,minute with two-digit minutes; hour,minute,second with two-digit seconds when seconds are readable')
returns 11,28,10
